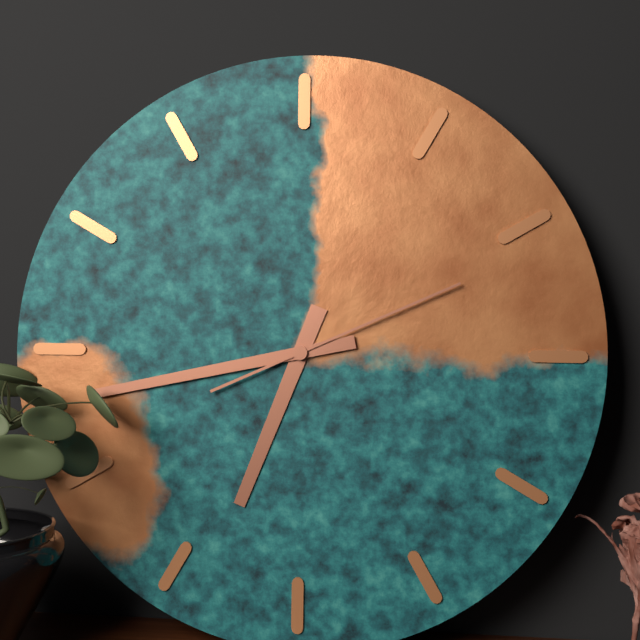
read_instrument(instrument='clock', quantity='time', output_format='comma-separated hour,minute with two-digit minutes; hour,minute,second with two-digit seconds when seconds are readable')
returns 6,43,11
